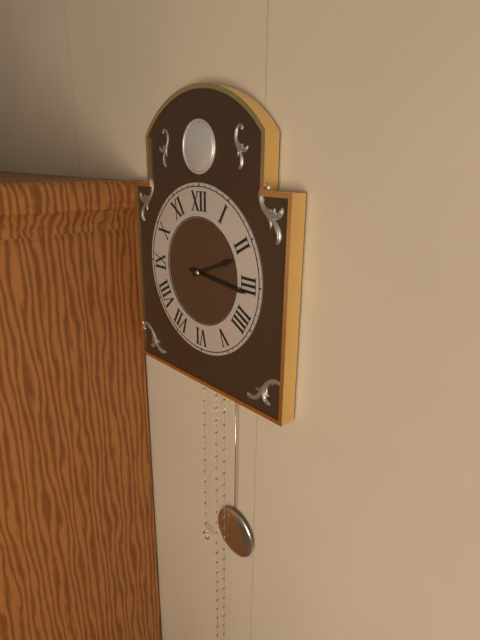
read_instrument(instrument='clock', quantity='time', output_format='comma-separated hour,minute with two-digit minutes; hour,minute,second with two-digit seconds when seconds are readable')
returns 2,16
